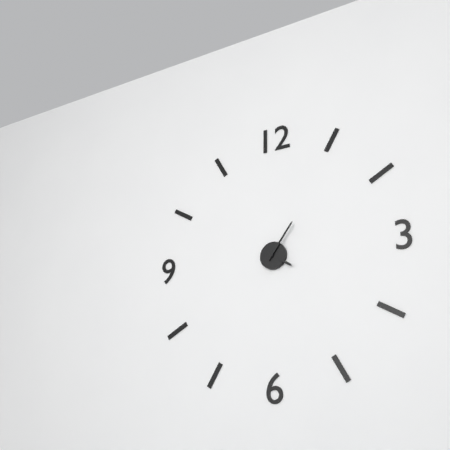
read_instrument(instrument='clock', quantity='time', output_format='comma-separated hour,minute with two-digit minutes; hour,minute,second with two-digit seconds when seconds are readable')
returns 4,06
